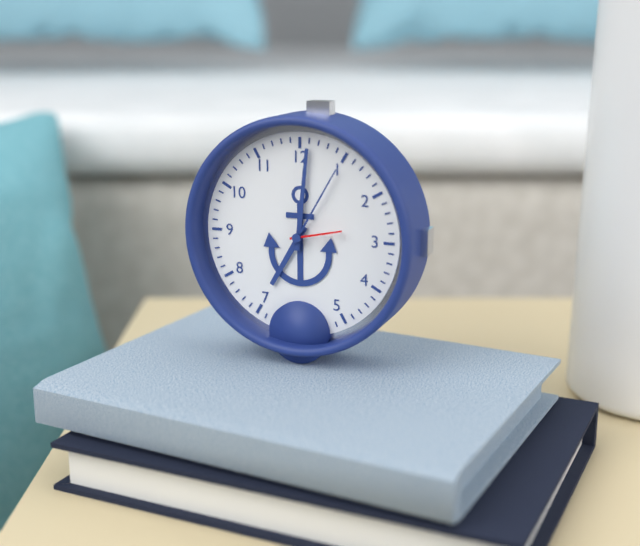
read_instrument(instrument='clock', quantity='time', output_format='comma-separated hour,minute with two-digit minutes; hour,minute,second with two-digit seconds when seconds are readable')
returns 7,01,13
